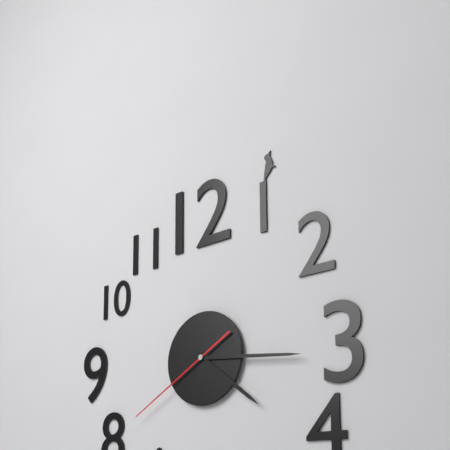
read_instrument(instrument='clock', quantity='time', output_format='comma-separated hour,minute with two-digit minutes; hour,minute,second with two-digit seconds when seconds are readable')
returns 4,16,40
